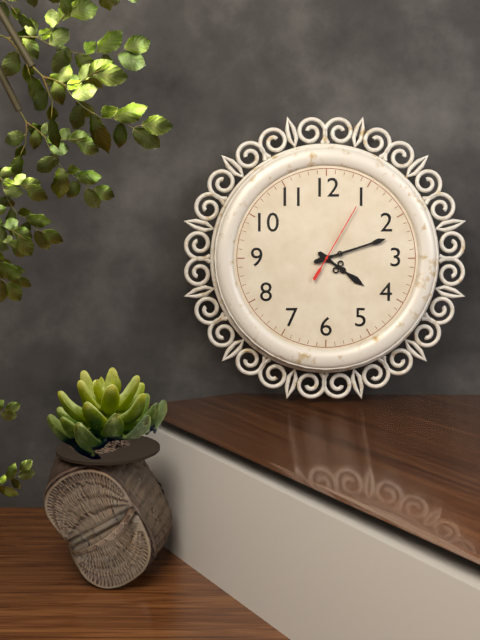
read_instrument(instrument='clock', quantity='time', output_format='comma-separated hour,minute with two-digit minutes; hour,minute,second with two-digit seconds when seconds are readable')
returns 4,12,05
